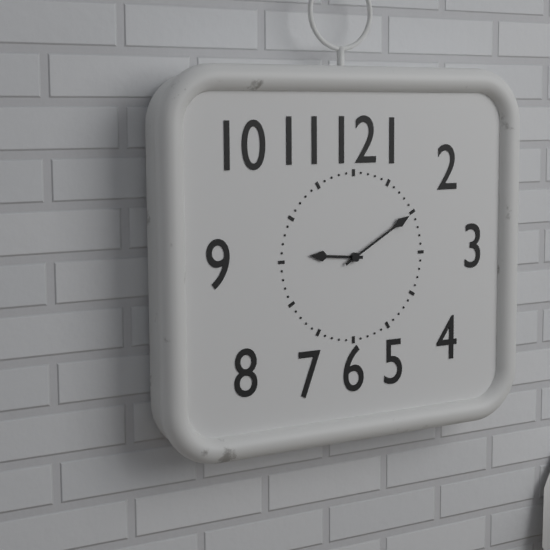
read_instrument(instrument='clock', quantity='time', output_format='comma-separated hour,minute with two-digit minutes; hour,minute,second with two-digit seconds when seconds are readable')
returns 9,10
